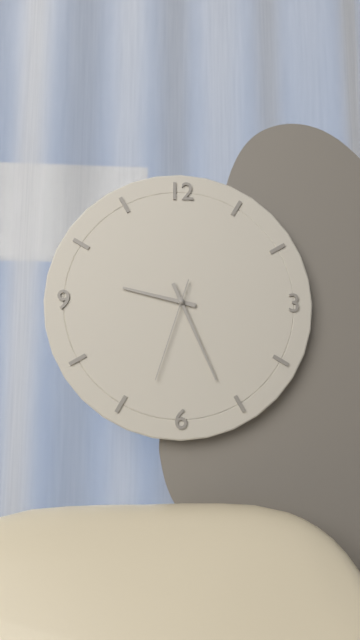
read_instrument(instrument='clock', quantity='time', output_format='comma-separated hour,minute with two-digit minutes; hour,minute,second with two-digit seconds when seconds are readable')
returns 9,26,33
